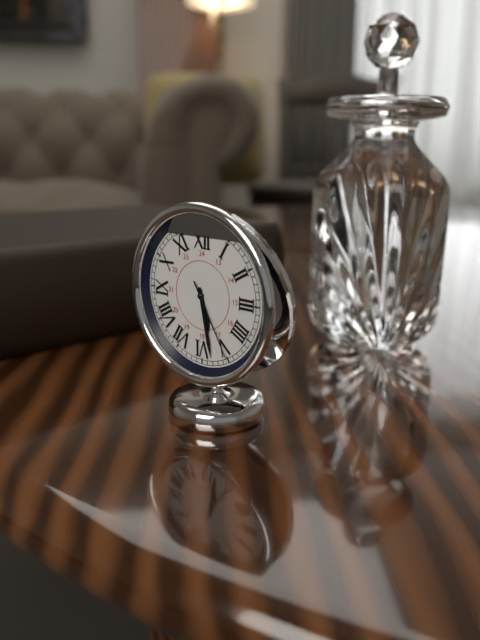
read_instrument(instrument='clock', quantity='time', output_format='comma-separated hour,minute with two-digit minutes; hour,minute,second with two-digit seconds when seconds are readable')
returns 5,28,25
